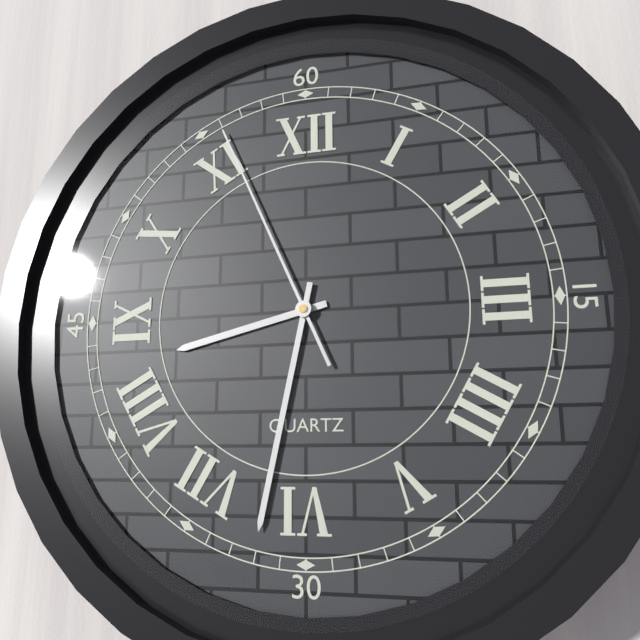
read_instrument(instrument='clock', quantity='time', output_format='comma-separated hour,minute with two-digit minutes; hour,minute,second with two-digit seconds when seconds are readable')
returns 8,32,56
